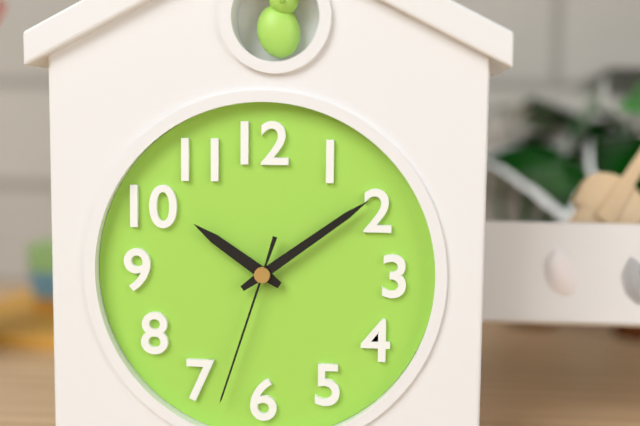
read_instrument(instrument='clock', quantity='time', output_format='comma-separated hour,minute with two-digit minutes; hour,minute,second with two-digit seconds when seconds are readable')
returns 10,09,33
